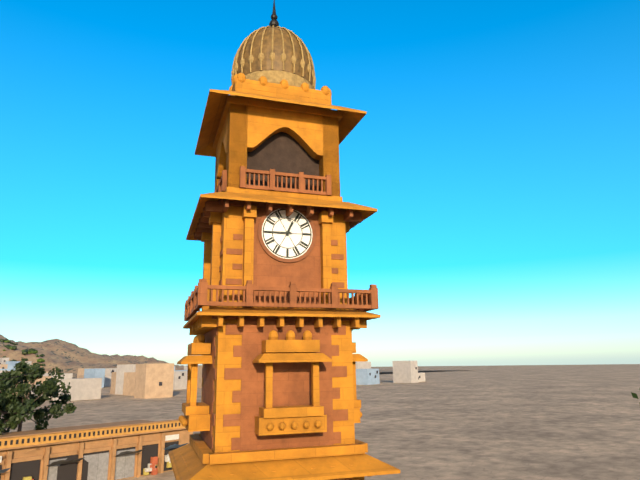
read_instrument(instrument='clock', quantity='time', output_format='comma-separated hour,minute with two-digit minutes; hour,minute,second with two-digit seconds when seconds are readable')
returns 12,45
